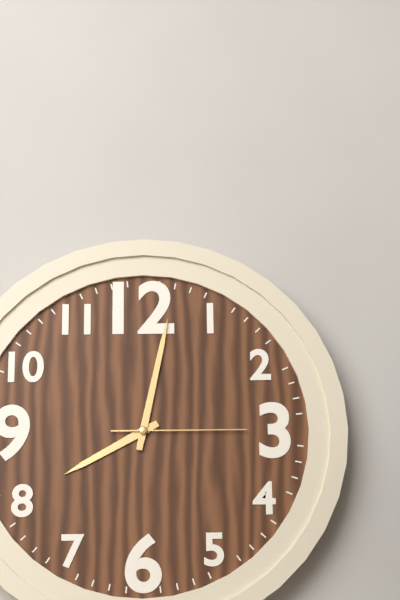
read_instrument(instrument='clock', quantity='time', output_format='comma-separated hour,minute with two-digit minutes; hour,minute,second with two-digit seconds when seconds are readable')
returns 8,02,15
